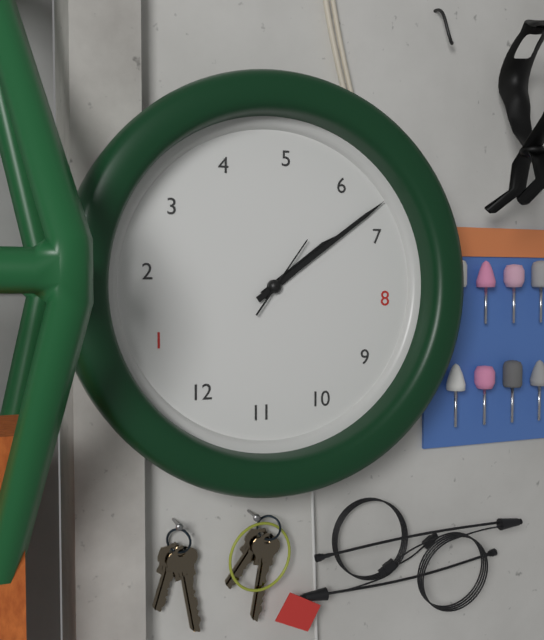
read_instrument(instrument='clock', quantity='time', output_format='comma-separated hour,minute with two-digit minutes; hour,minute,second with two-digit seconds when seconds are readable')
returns 6,33,30
